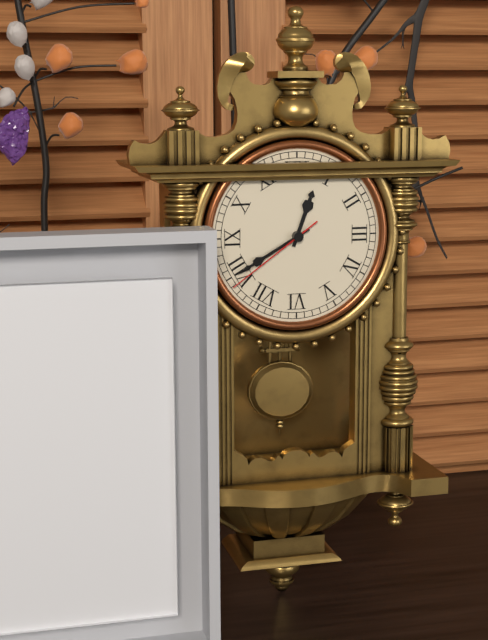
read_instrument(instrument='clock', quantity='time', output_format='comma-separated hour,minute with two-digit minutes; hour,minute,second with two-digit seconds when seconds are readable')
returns 12,40,39
